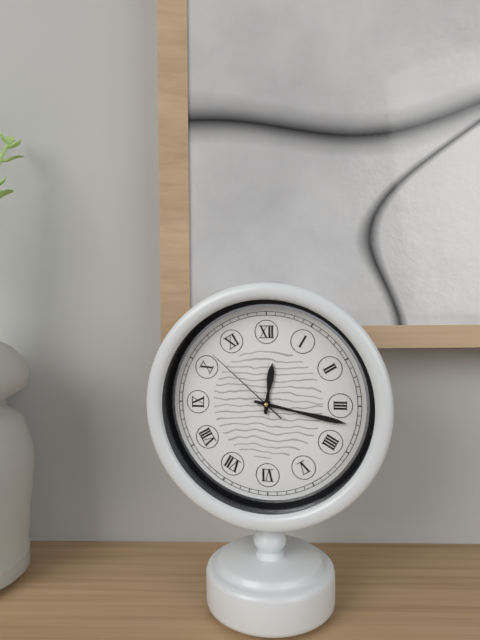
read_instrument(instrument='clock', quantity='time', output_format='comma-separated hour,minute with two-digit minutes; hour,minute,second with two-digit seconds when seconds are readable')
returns 12,17,52
